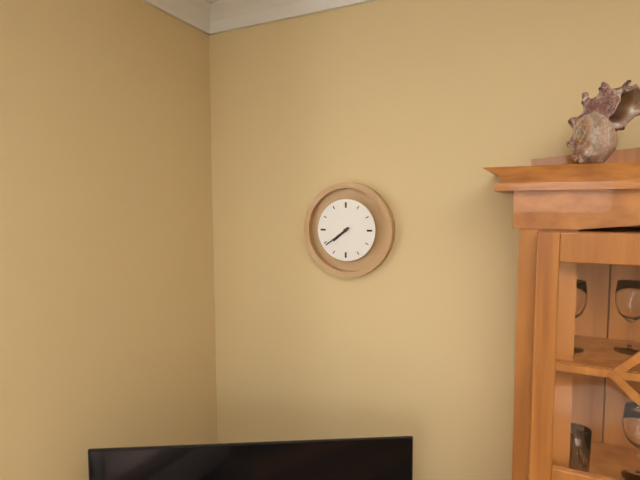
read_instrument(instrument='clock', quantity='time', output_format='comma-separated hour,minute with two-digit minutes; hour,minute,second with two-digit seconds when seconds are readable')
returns 7,39
